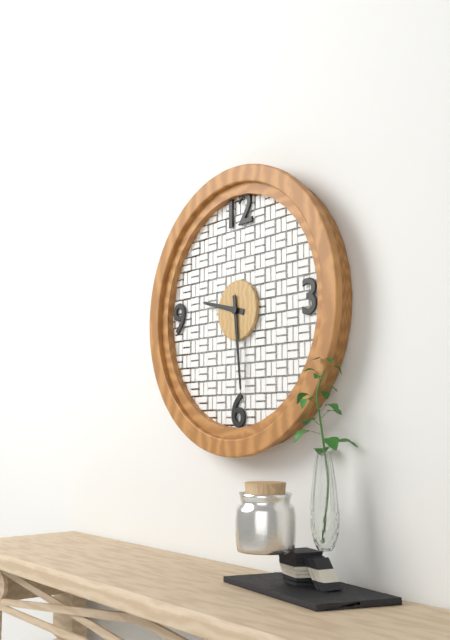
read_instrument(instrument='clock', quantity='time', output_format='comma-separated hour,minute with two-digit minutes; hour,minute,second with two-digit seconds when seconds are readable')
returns 9,29
